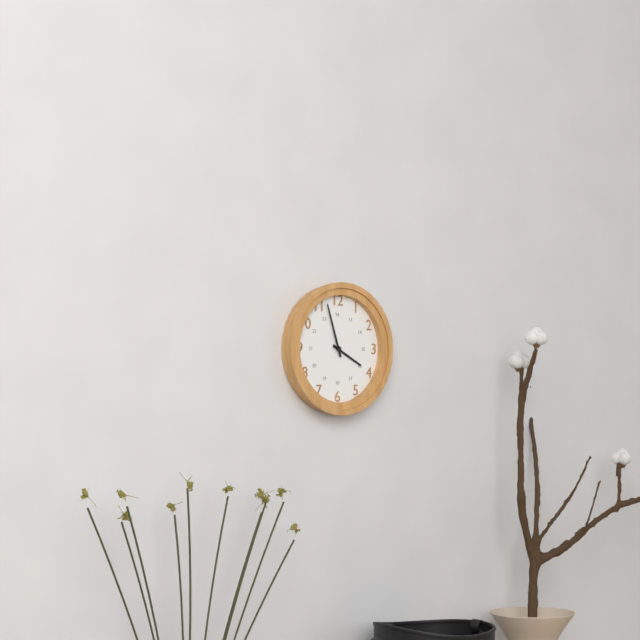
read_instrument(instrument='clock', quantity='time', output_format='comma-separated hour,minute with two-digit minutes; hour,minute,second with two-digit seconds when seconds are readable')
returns 3,57
